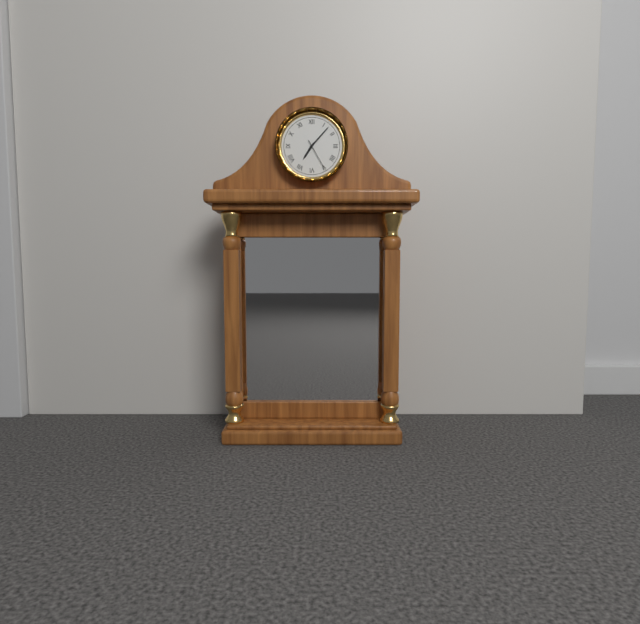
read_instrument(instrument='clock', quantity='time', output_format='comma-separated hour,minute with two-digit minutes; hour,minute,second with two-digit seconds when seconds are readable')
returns 7,07
